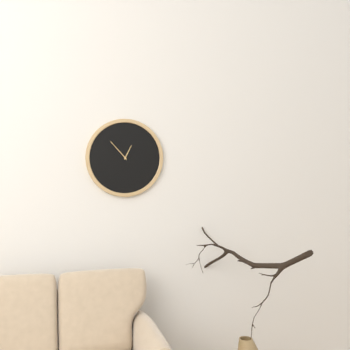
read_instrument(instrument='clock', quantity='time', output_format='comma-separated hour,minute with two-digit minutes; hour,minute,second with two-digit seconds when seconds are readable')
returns 12,53
